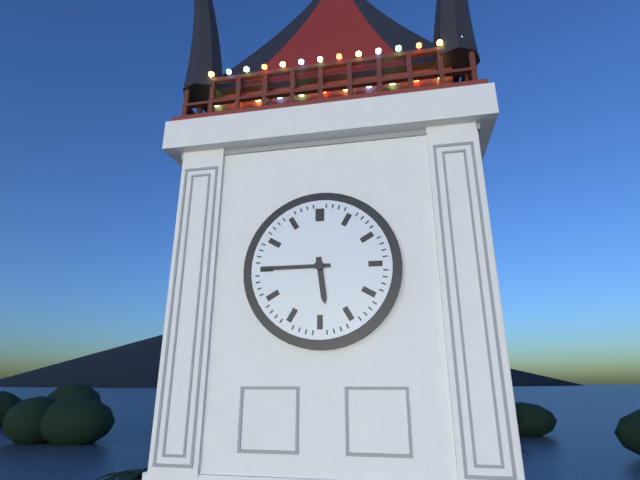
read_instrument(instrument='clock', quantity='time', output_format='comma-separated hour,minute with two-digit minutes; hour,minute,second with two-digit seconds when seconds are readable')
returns 5,45
